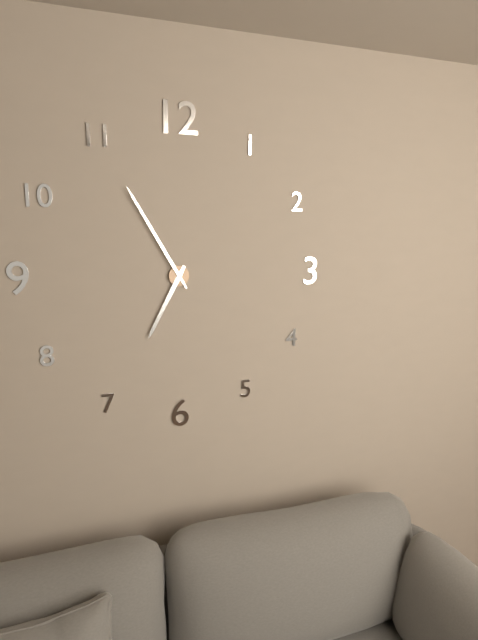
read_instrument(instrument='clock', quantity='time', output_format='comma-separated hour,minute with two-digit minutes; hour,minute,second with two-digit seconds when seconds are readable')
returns 6,55
